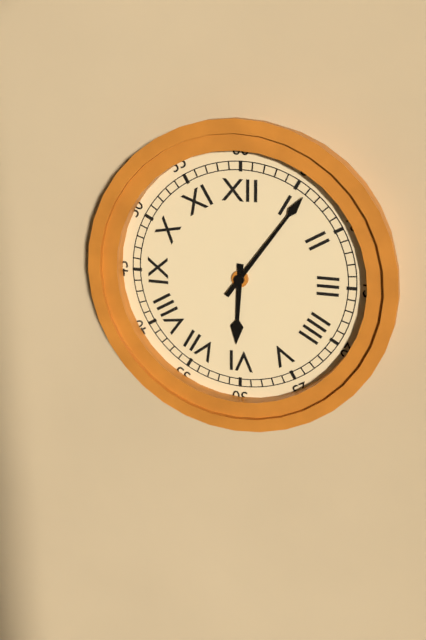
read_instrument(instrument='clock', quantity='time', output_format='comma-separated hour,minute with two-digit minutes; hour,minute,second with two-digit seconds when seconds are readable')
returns 6,06
